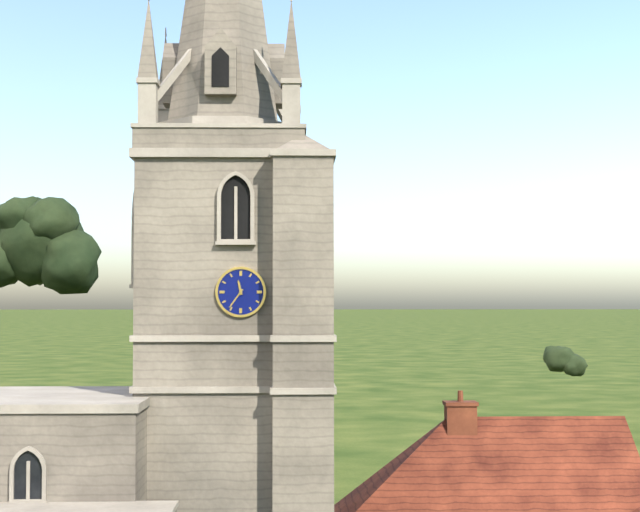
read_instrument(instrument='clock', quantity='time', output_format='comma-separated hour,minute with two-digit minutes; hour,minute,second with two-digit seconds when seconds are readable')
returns 11,36
